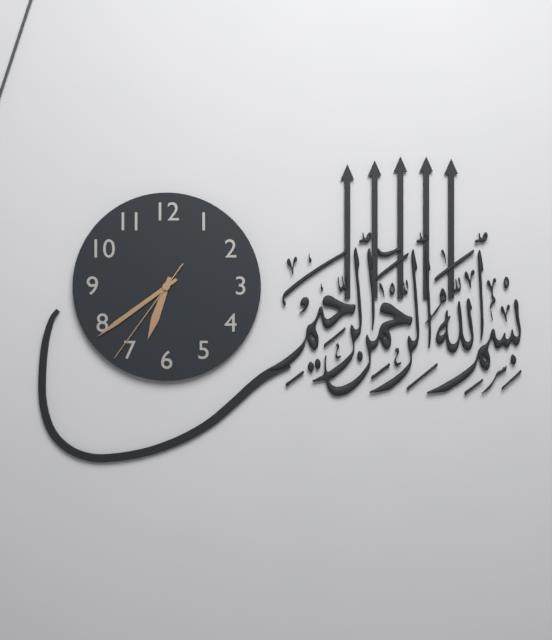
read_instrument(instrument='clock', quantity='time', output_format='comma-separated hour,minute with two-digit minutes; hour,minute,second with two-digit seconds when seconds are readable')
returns 6,39,36
